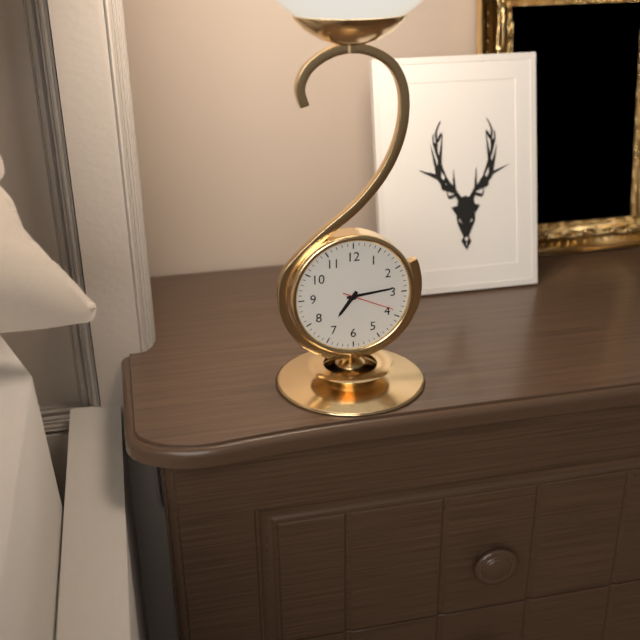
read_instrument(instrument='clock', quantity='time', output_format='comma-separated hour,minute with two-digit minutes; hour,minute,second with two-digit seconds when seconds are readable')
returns 7,14,19
